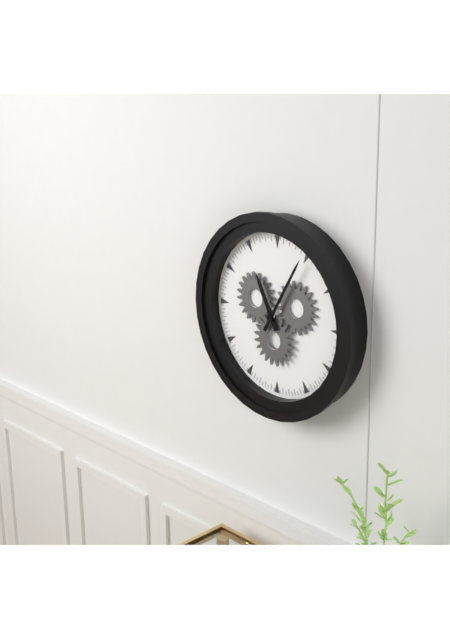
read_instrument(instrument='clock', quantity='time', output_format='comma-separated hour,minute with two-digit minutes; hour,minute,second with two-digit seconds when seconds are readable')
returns 11,05
